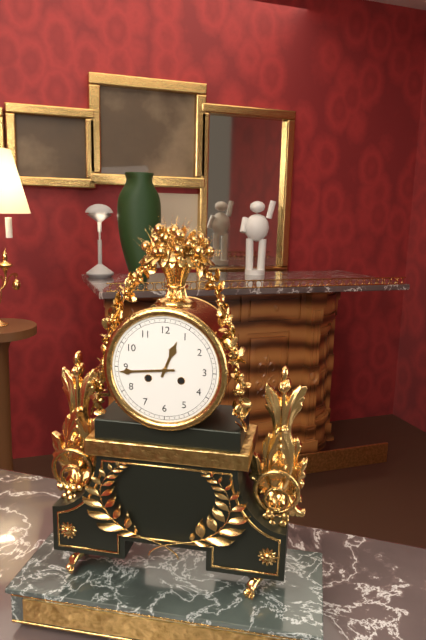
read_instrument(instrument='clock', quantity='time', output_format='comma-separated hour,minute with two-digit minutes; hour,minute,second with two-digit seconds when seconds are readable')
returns 12,44
